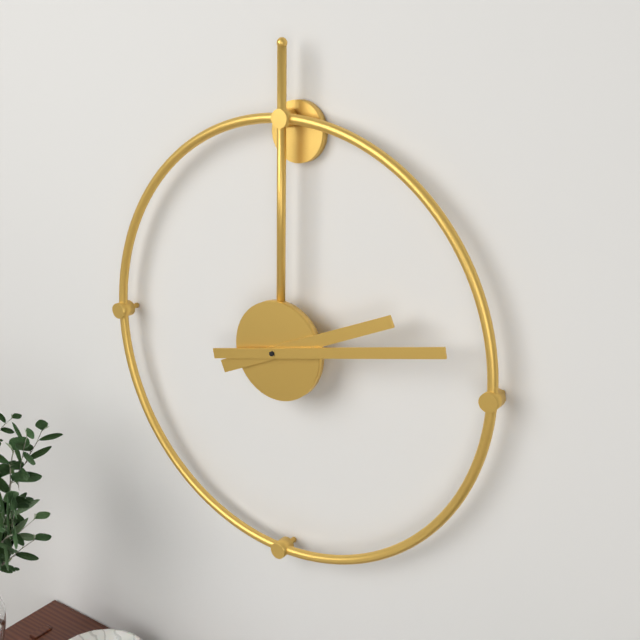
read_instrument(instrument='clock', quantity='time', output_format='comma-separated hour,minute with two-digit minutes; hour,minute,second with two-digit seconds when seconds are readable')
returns 2,13
